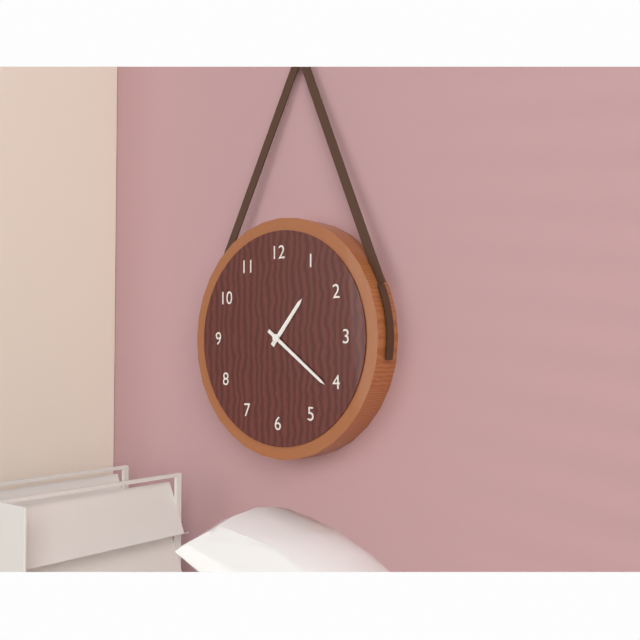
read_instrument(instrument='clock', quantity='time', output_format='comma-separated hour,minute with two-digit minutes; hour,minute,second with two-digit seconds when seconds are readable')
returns 1,21
